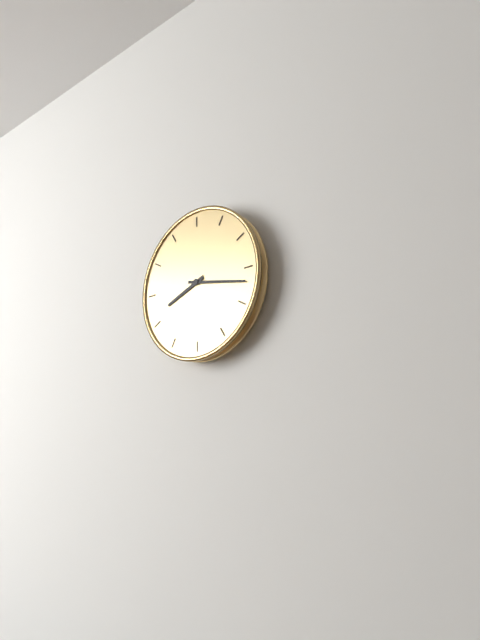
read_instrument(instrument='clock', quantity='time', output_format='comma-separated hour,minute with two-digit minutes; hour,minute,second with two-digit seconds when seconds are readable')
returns 8,17
